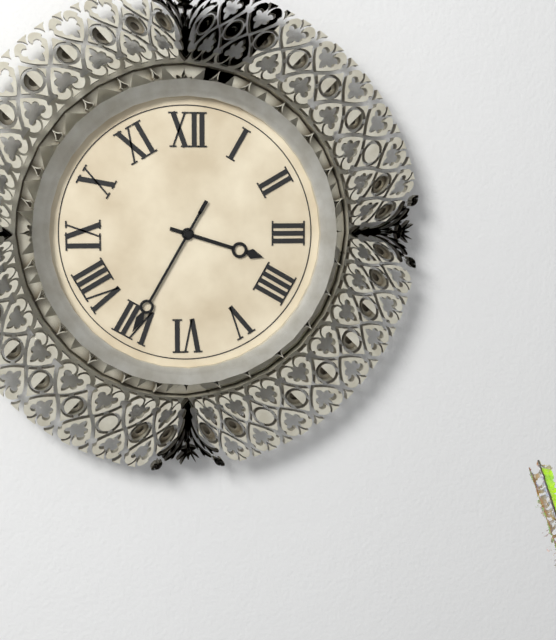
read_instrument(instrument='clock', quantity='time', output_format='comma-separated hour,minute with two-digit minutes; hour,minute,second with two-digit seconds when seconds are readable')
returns 3,35
